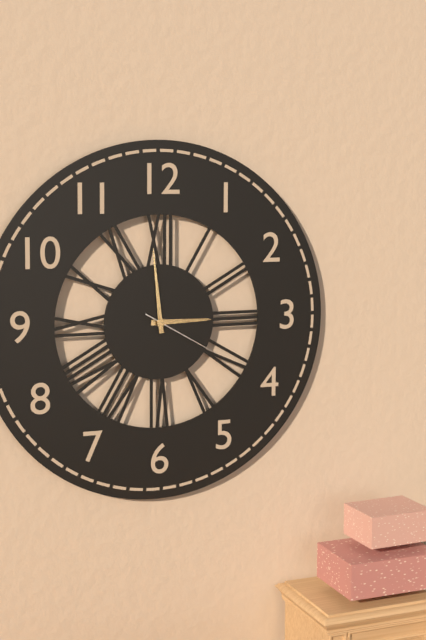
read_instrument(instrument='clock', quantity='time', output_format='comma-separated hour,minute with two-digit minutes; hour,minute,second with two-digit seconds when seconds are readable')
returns 2,59,20
